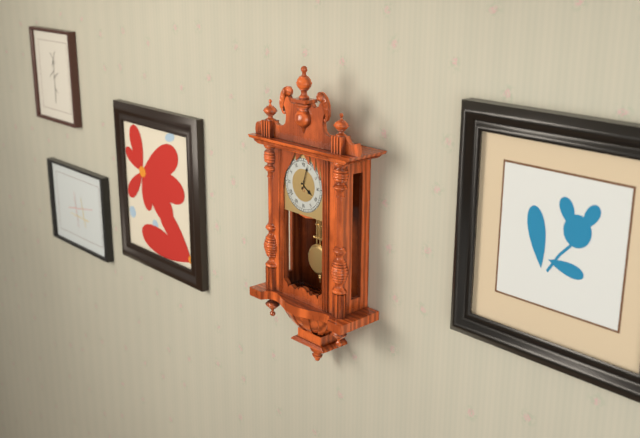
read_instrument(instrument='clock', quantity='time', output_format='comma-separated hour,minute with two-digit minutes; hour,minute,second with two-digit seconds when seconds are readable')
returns 4,03
